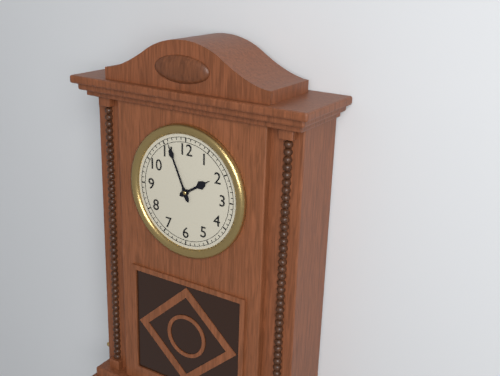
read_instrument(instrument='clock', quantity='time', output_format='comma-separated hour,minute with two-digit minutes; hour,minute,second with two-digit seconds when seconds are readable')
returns 1,56
